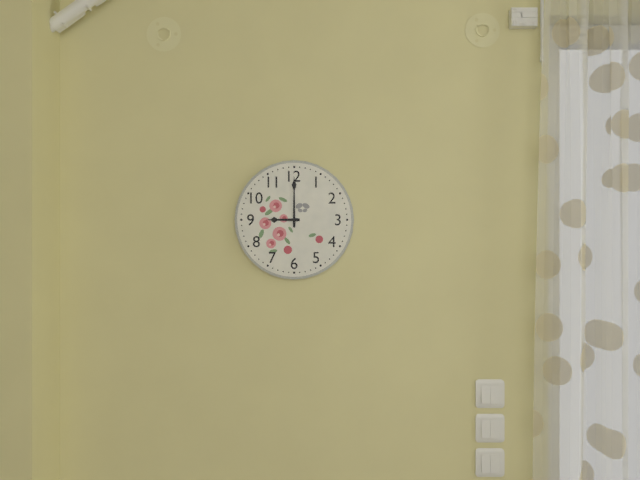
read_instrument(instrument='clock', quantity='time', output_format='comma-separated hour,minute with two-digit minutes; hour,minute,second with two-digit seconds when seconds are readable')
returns 9,00
